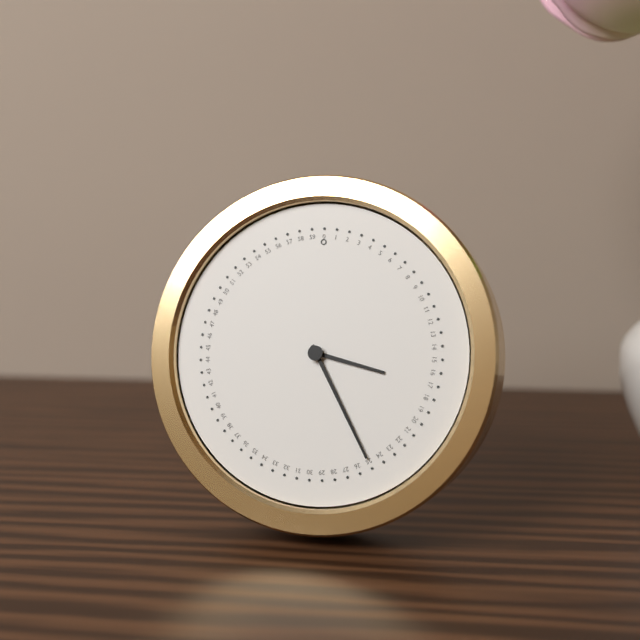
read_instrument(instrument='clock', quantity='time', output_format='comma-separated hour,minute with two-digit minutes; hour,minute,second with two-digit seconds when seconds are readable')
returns 3,25
